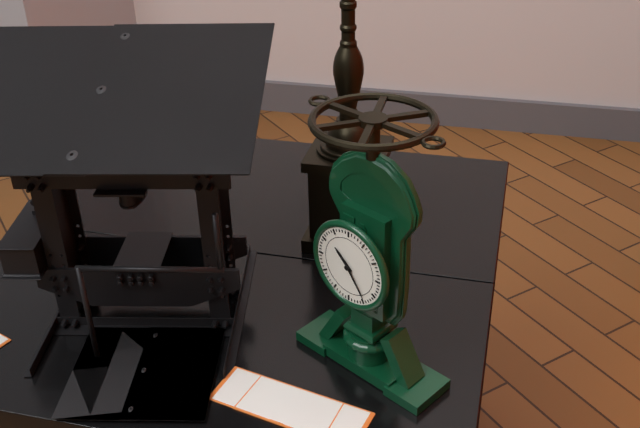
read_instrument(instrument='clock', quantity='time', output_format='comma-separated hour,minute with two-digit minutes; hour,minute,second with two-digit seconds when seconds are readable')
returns 10,24
